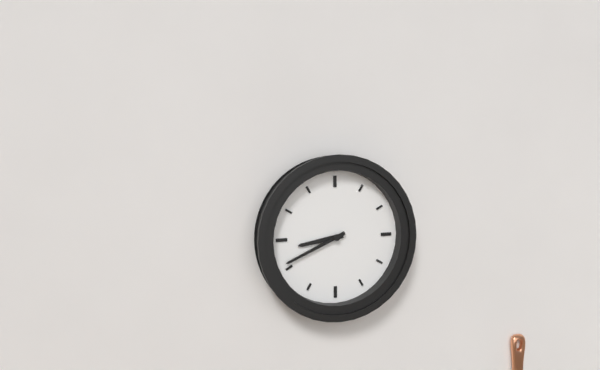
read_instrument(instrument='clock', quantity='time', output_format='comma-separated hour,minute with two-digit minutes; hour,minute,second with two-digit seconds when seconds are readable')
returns 8,41
